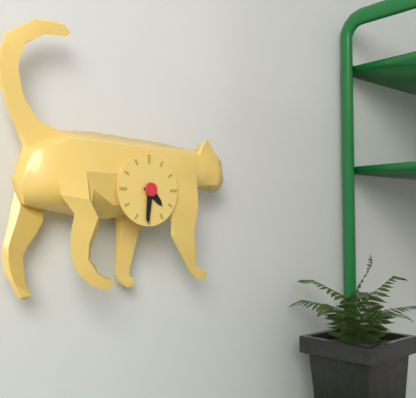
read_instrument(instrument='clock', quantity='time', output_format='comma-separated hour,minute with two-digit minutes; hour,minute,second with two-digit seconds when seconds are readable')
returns 4,31
